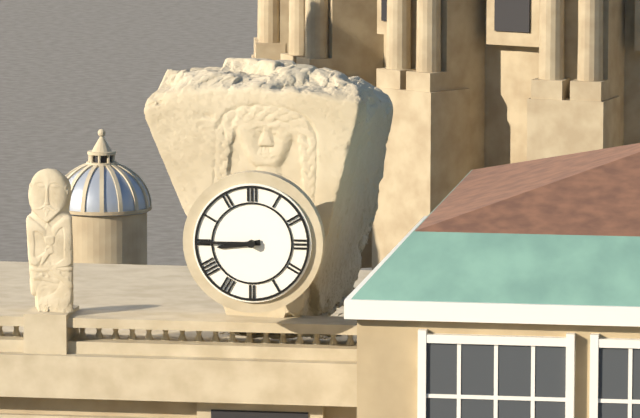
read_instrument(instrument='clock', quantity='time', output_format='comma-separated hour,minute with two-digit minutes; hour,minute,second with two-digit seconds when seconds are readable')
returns 8,45
